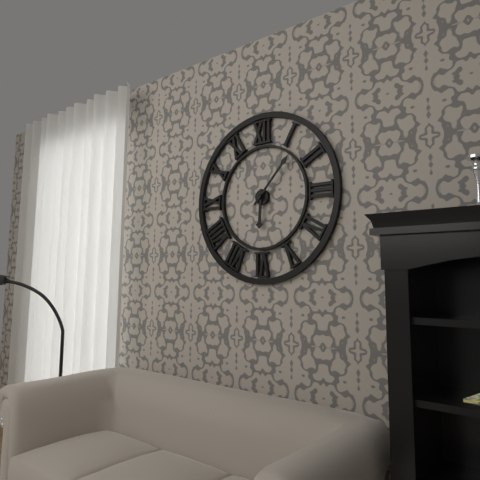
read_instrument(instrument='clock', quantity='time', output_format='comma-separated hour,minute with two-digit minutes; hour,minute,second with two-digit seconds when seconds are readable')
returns 6,07
